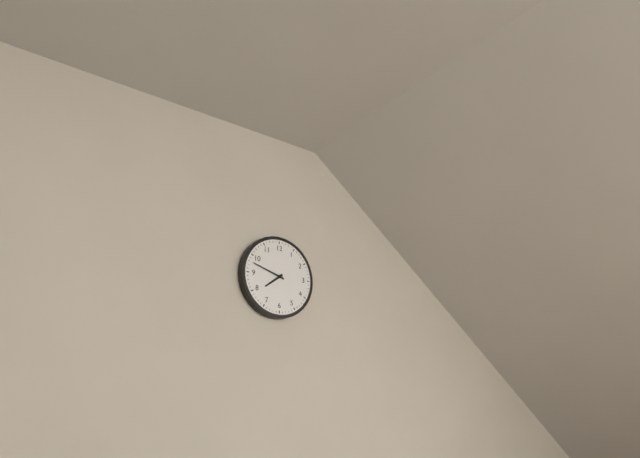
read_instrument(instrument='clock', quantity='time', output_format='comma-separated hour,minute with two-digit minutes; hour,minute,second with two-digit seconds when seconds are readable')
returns 7,48
